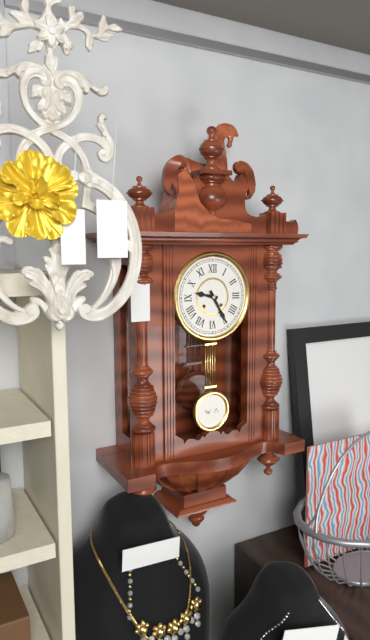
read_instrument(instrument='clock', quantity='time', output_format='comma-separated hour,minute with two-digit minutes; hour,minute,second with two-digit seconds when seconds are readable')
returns 9,25
